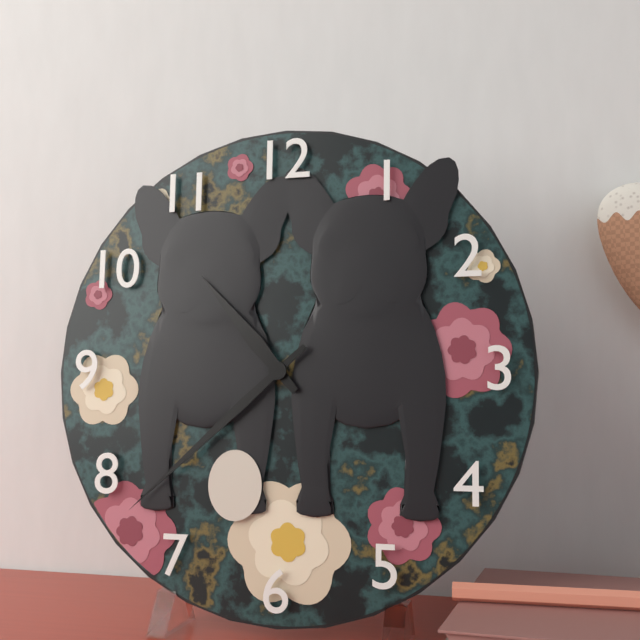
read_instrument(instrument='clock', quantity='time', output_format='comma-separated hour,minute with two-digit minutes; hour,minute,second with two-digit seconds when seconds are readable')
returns 10,38
